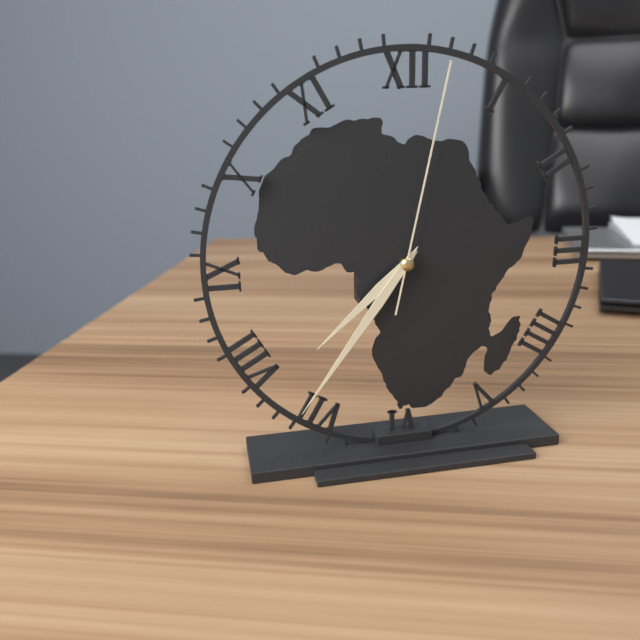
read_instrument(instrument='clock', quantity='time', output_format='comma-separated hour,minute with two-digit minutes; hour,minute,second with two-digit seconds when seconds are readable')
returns 7,36,02
